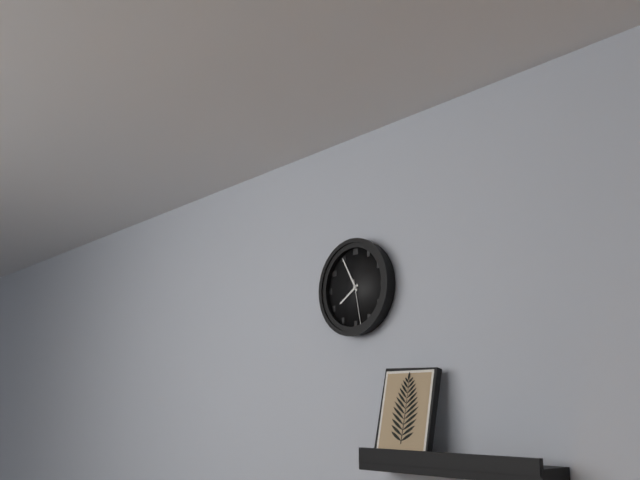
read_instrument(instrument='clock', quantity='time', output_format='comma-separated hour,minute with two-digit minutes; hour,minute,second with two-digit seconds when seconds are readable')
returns 7,55,28
